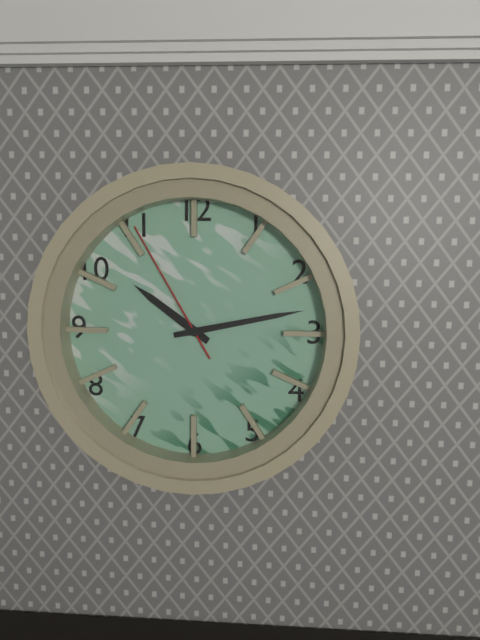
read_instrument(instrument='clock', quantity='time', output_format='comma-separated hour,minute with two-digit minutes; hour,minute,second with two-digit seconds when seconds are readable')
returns 10,13,55
